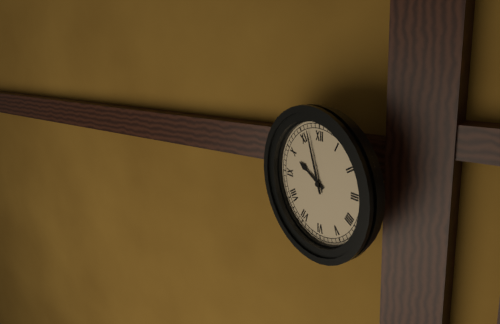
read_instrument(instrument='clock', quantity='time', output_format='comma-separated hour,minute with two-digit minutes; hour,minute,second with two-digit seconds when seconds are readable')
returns 9,57
